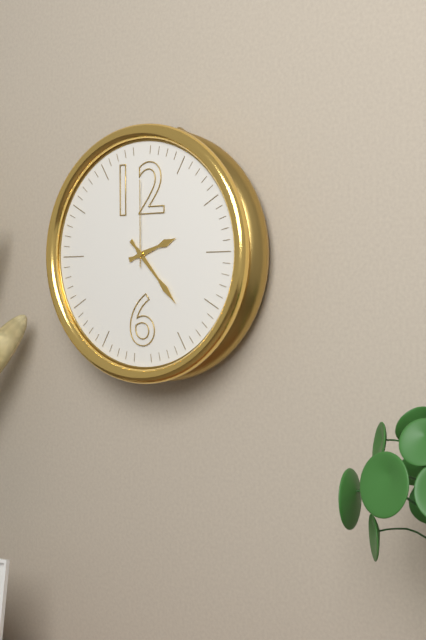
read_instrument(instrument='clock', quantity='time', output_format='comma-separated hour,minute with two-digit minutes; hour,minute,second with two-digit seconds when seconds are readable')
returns 2,23,00
